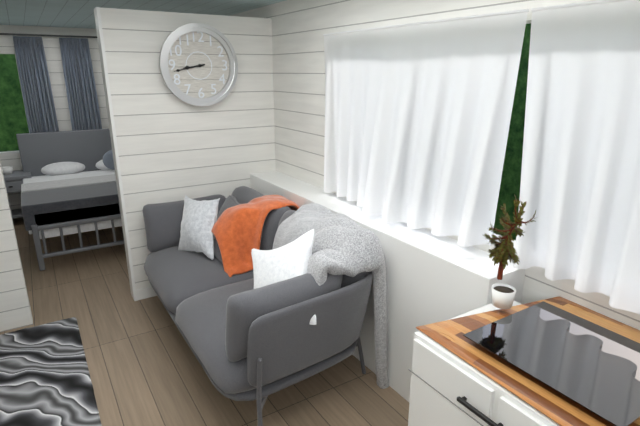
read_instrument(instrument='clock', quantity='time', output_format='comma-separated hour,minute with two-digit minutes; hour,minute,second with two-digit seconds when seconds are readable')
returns 8,43
